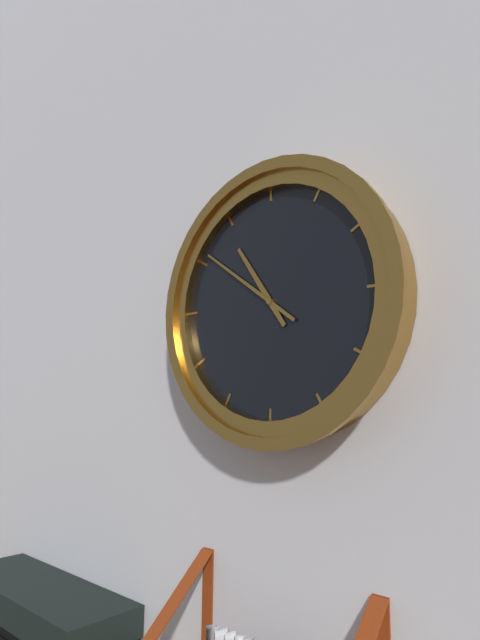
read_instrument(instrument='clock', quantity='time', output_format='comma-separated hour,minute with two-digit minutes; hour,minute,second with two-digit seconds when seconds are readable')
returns 10,51
